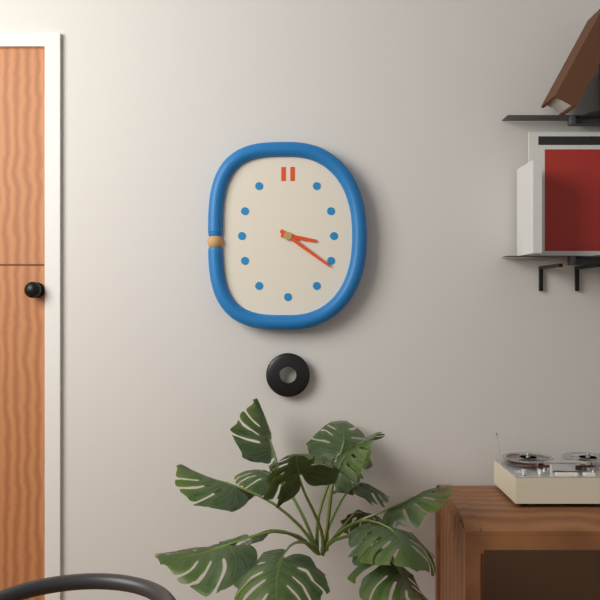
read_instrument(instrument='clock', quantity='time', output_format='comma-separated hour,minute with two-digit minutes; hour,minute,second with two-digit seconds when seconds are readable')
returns 3,21
